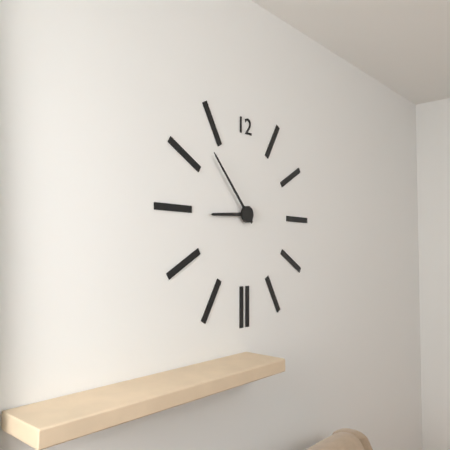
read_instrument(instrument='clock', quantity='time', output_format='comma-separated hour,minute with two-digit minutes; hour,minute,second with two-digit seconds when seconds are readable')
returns 8,53
